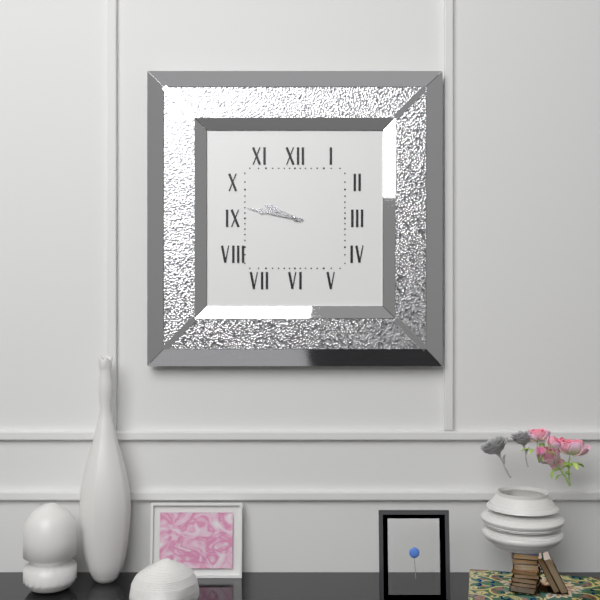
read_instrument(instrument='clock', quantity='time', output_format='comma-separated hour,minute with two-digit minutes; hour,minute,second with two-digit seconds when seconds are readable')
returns 9,47
